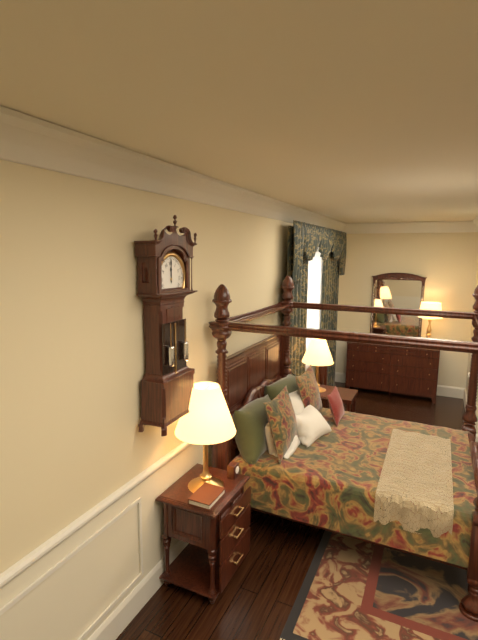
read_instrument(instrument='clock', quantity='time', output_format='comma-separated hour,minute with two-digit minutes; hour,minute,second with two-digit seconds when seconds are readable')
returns 12,00
